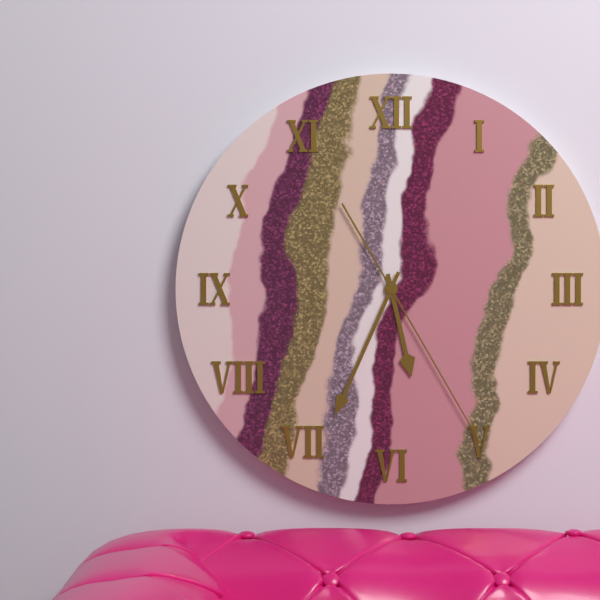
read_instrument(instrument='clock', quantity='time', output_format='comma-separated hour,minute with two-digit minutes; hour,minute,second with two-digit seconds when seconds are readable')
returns 5,34,25
